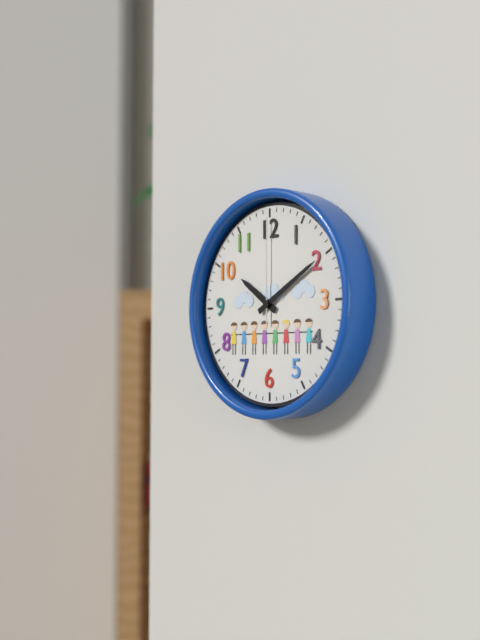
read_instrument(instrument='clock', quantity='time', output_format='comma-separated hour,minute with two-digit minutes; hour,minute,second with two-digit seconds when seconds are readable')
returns 10,10,00
